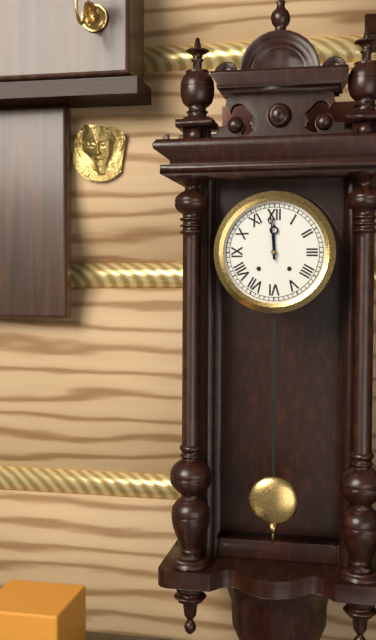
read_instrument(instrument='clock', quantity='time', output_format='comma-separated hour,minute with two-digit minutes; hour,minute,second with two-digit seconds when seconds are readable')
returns 11,59
